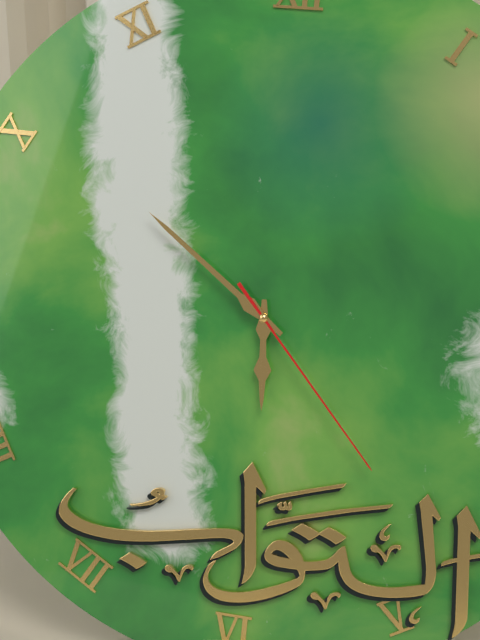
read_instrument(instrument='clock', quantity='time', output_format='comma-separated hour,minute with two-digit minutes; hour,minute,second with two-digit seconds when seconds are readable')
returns 5,51,23
